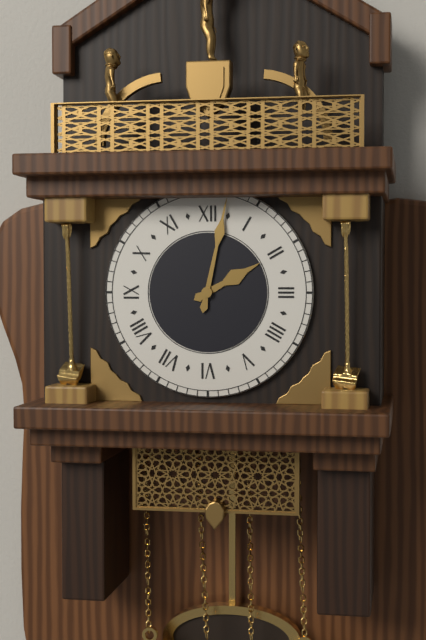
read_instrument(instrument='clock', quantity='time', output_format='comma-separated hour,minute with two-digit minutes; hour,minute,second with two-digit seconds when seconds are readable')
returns 2,02
